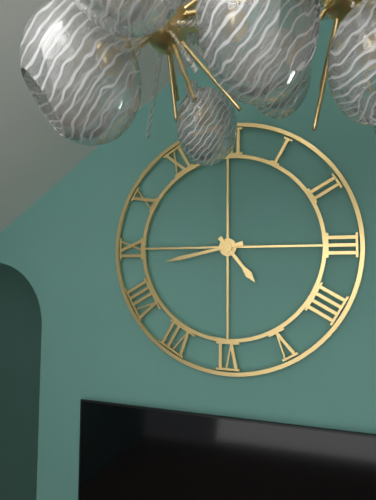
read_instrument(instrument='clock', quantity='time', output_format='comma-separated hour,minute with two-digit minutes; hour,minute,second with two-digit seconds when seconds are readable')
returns 4,43
